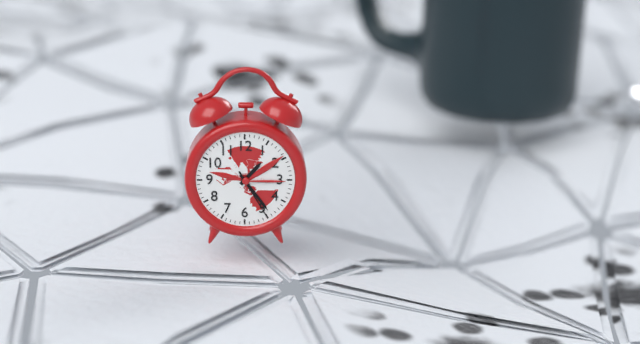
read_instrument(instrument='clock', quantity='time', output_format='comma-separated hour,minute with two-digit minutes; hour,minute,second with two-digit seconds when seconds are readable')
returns 1,24,25
